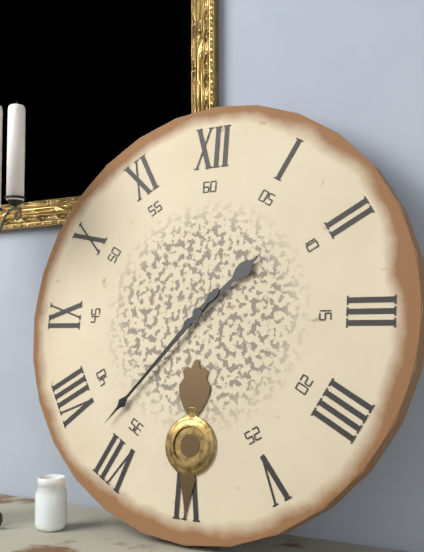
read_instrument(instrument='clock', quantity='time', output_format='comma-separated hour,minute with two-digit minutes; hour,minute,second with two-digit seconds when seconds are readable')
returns 1,37
